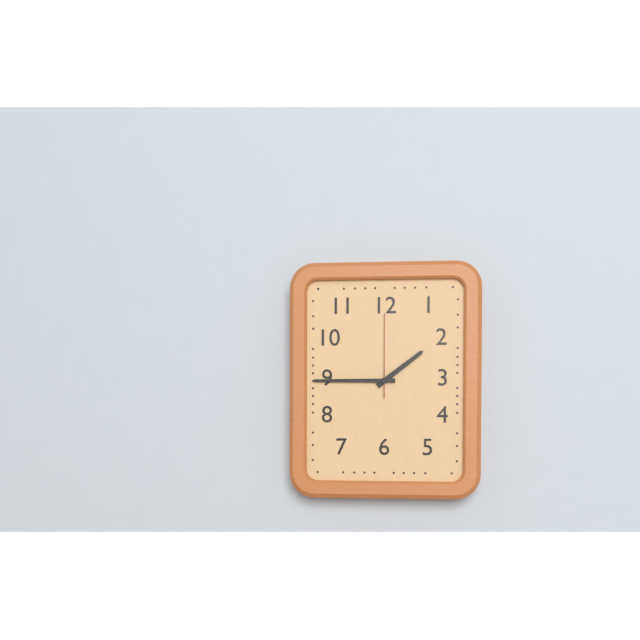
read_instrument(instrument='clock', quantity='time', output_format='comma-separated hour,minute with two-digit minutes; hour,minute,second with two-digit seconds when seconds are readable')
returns 1,45,00
